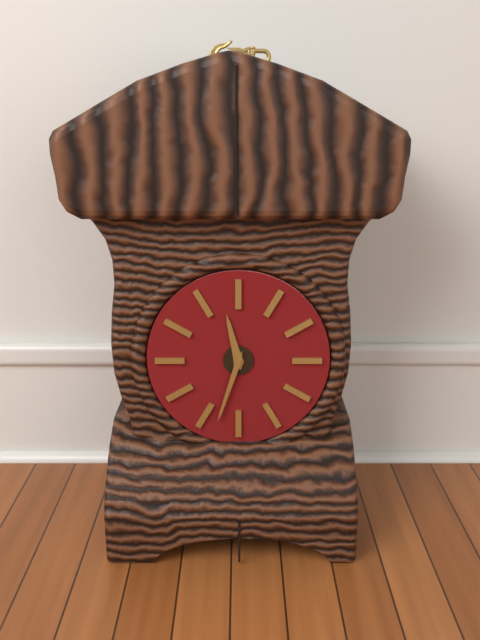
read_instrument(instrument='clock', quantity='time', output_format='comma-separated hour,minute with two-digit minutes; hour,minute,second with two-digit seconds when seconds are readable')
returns 11,33
